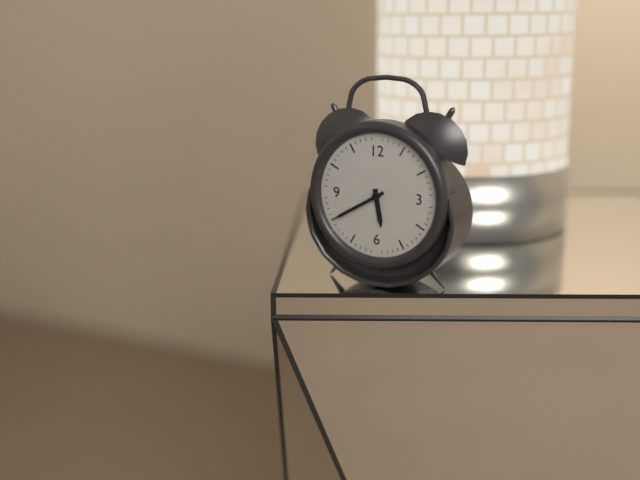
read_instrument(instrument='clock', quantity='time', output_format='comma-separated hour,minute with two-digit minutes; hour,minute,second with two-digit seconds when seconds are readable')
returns 5,40
